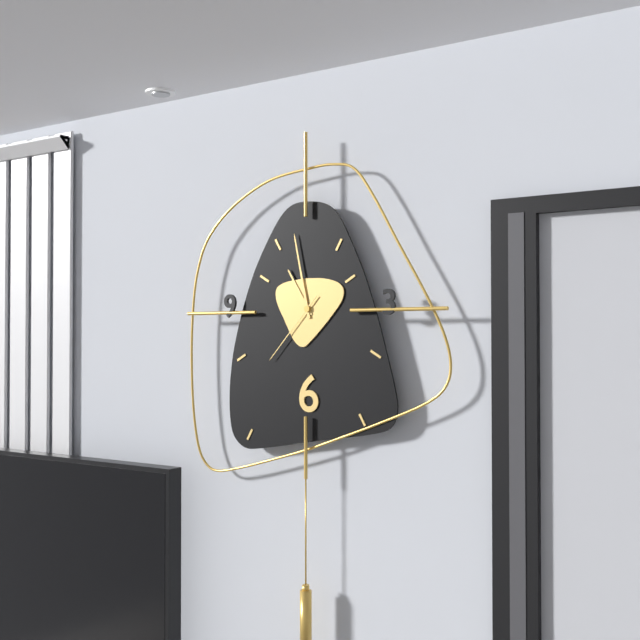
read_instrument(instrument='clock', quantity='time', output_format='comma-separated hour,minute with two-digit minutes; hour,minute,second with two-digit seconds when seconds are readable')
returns 10,58,37
